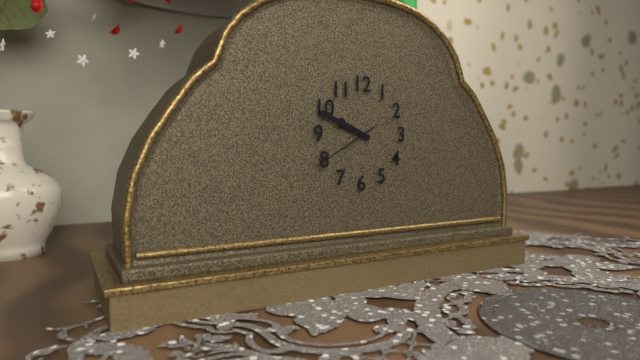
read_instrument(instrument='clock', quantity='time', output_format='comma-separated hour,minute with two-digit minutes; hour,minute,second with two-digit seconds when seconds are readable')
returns 9,49,40
